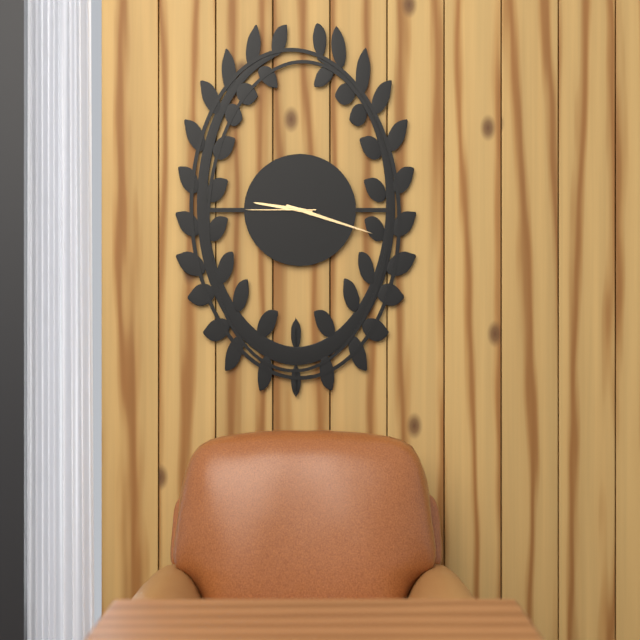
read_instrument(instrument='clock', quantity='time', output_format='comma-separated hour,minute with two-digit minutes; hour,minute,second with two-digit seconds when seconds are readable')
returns 9,18,45
